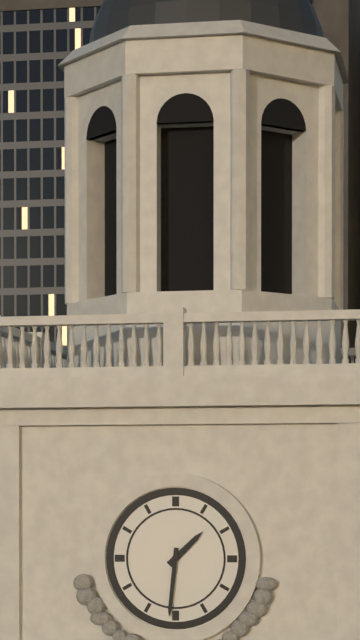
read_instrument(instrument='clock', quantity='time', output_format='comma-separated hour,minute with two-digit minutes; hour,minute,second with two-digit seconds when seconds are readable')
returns 1,31
